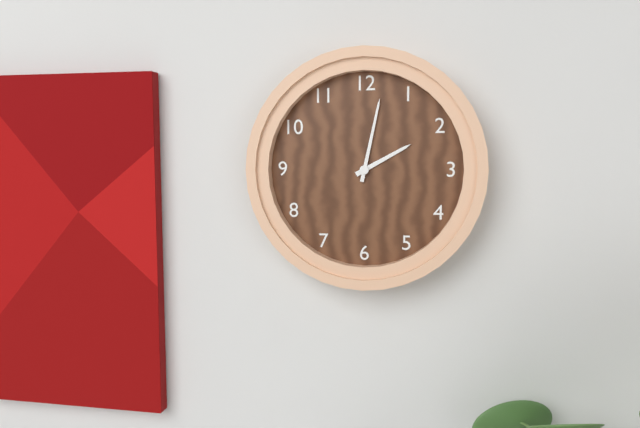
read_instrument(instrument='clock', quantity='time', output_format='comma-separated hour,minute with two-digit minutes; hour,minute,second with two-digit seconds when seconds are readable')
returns 2,02
